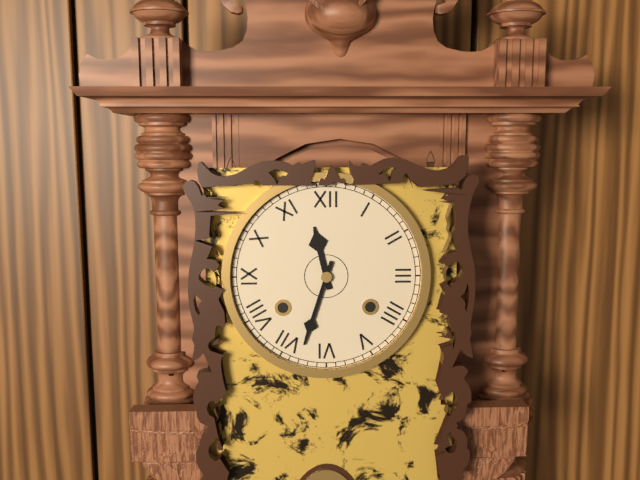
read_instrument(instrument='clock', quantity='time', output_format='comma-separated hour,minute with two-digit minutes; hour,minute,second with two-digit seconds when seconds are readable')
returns 11,33
